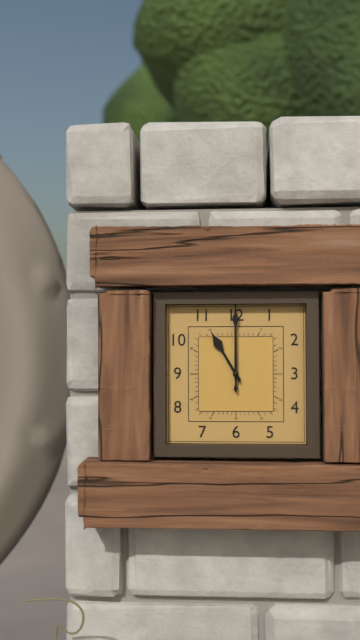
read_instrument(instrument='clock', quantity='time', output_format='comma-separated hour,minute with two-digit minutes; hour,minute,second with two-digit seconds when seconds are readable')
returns 11,00
